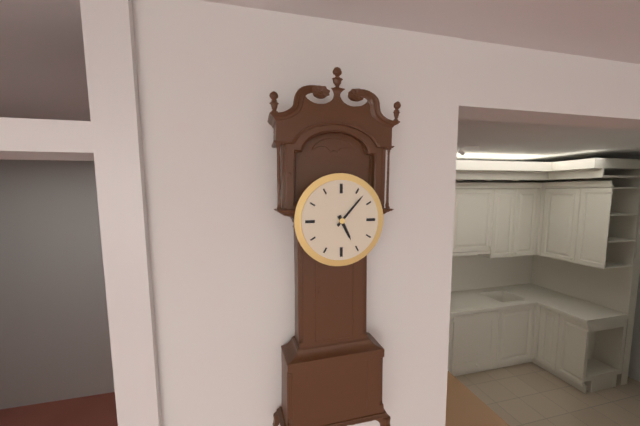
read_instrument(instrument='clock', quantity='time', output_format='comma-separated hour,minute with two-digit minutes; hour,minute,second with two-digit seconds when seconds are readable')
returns 5,07
